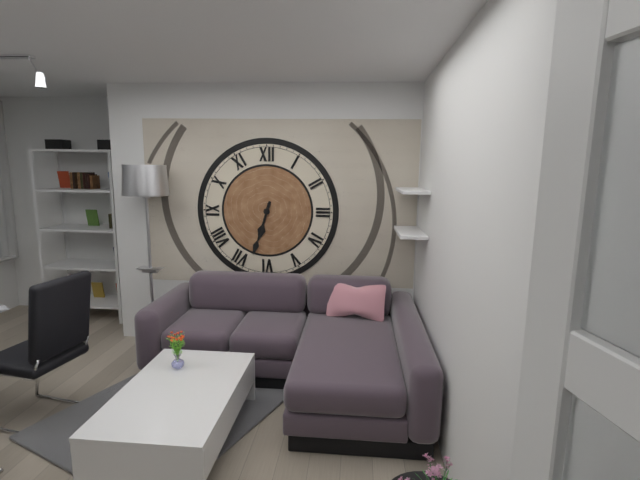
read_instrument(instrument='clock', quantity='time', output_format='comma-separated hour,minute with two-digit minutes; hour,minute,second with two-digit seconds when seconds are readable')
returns 6,33
